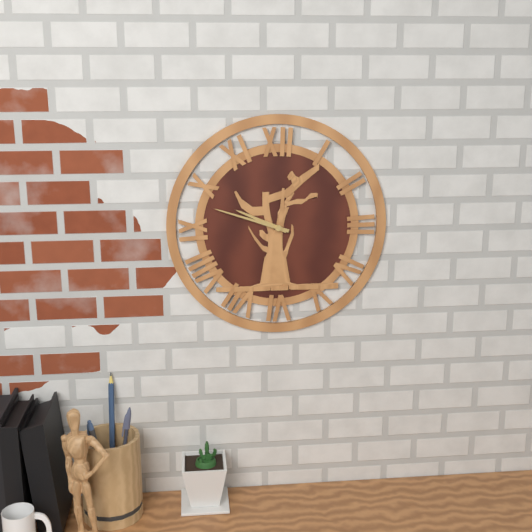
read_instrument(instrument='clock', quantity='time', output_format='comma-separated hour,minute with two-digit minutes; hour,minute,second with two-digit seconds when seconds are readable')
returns 9,48
